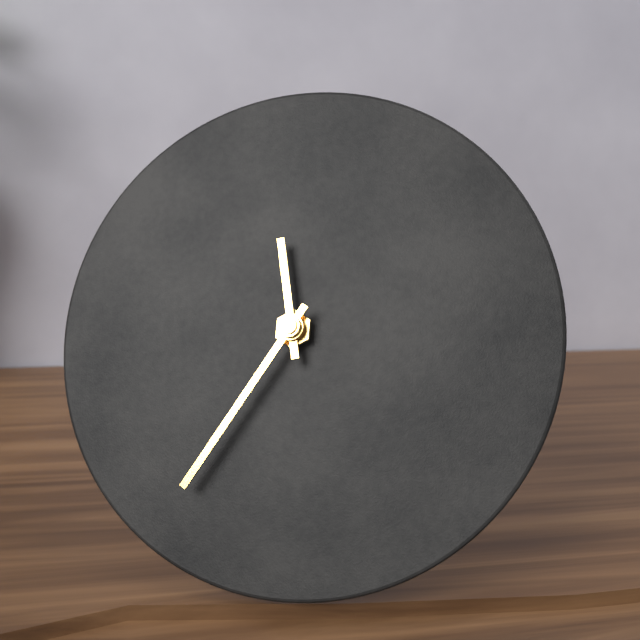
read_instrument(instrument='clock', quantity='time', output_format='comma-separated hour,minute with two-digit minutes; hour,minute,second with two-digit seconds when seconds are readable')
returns 11,35
